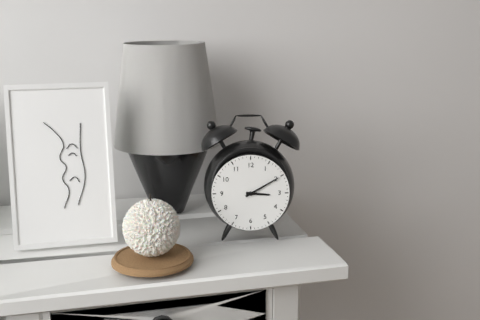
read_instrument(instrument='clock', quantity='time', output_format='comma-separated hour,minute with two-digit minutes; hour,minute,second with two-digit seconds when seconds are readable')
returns 3,10
